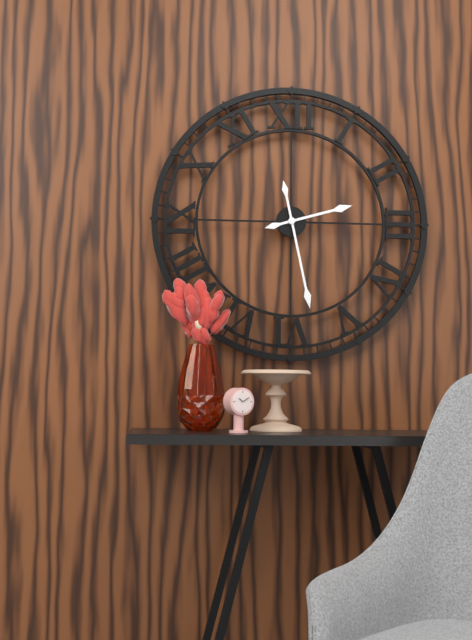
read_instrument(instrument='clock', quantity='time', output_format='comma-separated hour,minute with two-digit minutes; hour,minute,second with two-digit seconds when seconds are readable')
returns 2,28
